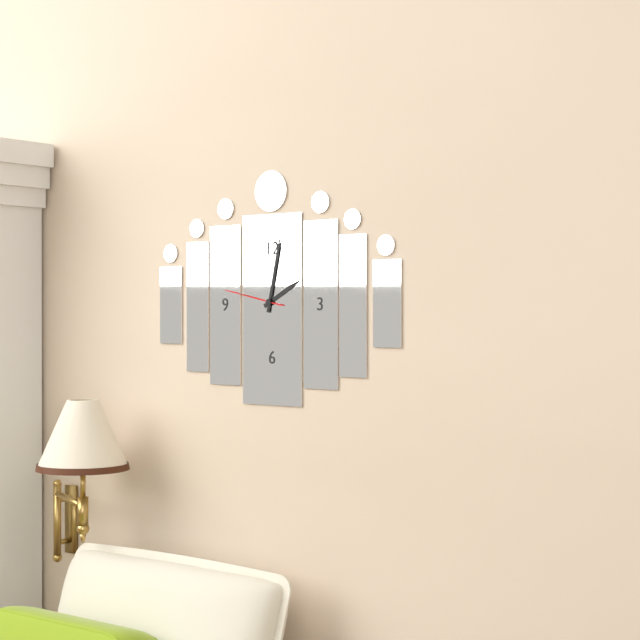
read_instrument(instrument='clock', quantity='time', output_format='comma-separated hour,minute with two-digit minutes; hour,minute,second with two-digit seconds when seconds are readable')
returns 2,02,47
